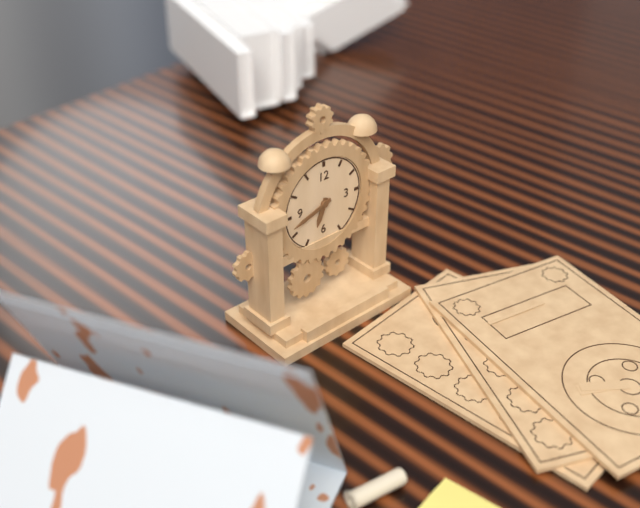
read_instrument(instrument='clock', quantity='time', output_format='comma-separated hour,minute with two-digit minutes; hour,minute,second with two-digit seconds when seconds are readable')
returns 6,42
